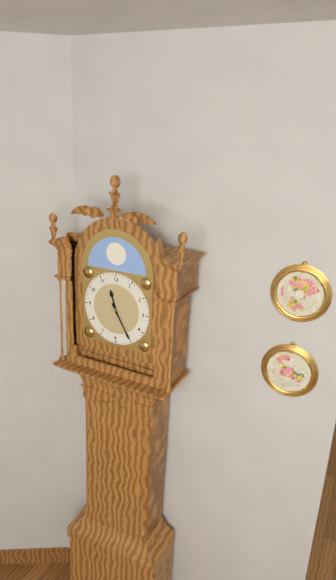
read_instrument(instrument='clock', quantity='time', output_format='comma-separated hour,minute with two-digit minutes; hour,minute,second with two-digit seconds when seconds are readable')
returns 11,25
